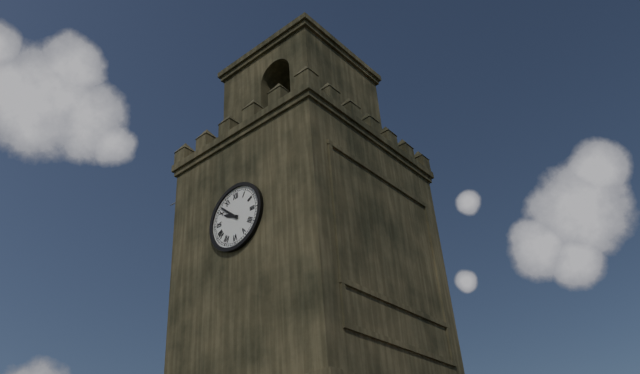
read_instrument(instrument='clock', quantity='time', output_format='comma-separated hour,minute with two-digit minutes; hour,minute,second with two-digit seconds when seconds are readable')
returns 9,52
